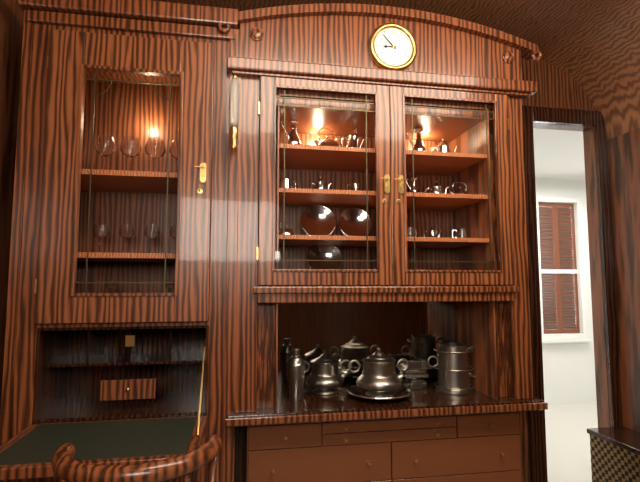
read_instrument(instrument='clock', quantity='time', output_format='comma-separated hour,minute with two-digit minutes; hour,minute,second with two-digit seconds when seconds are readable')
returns 8,53
